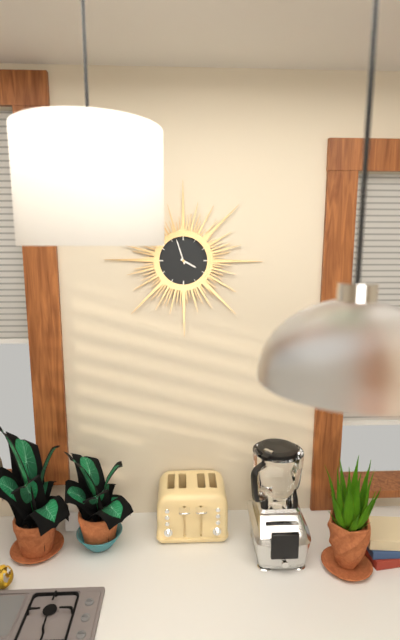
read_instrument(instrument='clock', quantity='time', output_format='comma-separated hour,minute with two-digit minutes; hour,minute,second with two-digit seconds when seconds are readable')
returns 3,57
